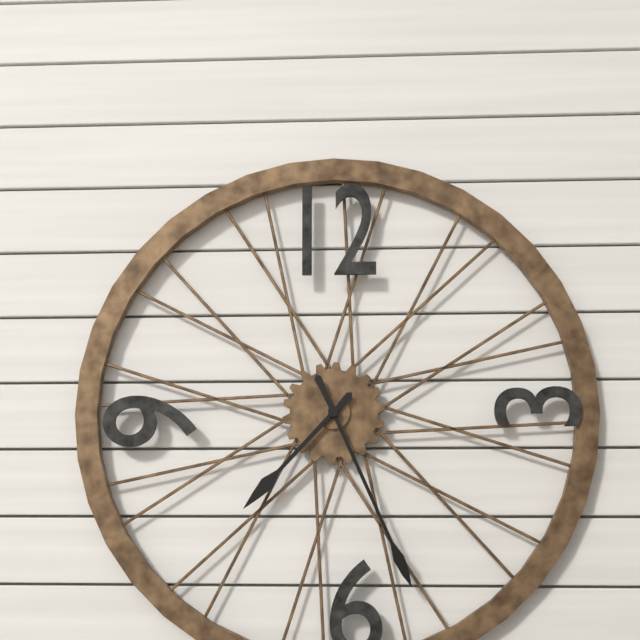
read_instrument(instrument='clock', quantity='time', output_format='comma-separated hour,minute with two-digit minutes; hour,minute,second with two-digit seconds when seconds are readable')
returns 7,26
